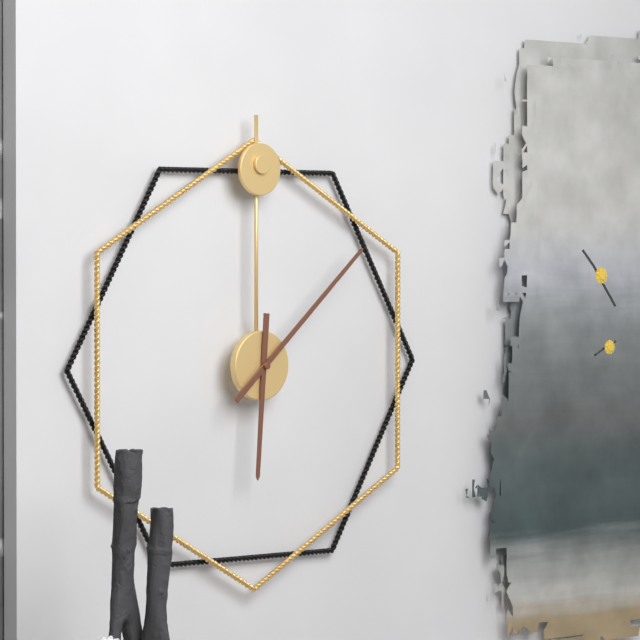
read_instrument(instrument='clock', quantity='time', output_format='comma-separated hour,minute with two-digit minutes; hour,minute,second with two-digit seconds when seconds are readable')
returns 6,08
